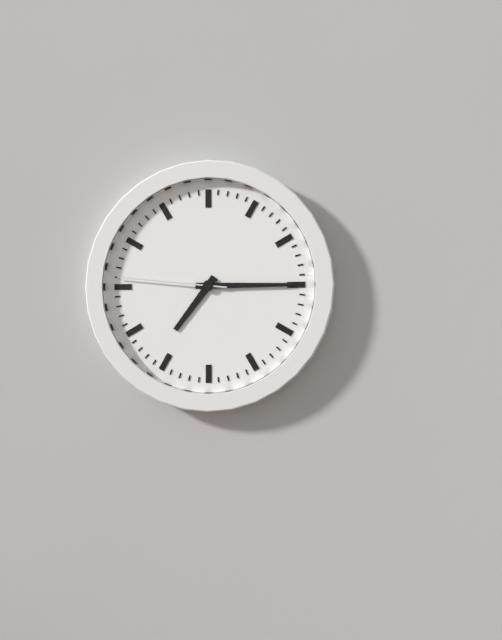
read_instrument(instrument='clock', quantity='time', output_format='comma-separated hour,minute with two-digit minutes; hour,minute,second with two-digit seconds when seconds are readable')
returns 7,15,46
